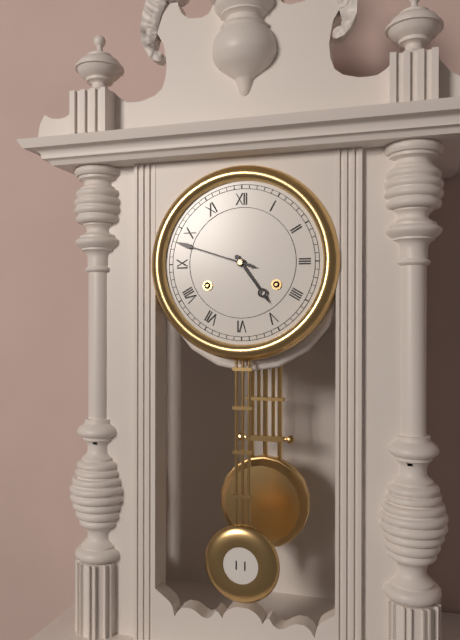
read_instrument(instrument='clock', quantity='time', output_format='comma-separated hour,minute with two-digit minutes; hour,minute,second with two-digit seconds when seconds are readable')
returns 4,48
